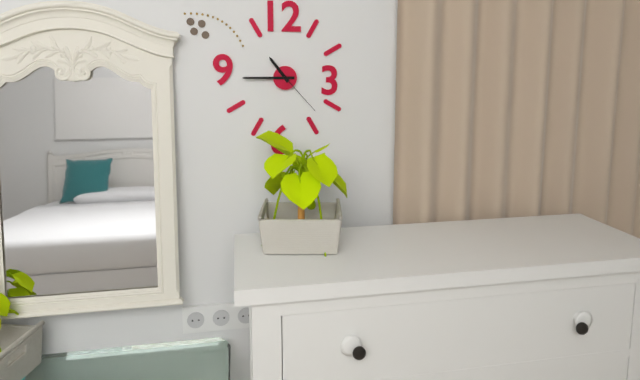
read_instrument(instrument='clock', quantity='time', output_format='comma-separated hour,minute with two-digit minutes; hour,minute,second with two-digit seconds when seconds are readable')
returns 10,45,23
